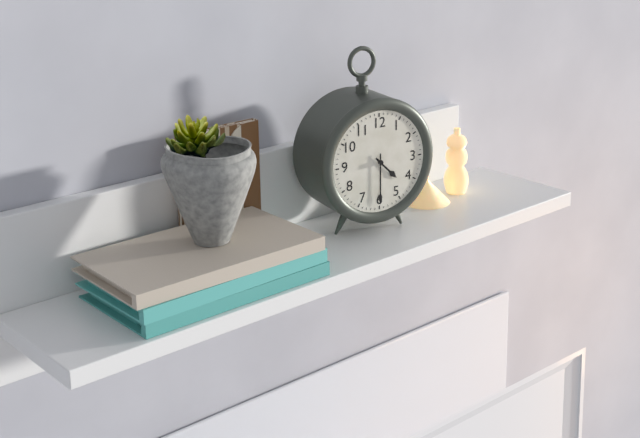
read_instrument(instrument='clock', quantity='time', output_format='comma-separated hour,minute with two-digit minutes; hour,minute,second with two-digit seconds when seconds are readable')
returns 4,30
